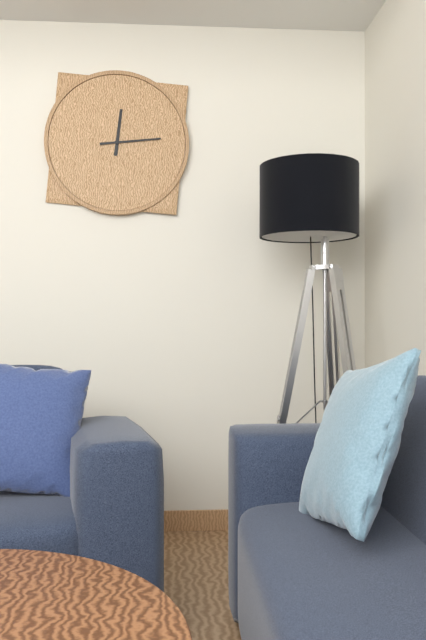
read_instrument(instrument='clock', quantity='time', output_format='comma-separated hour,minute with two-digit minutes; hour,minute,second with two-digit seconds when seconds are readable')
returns 12,14
